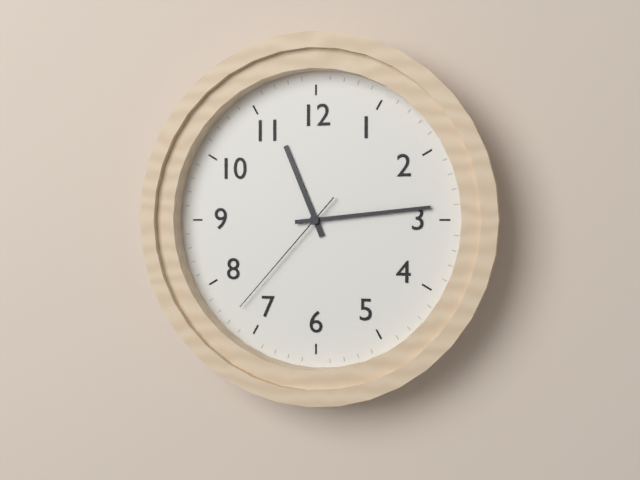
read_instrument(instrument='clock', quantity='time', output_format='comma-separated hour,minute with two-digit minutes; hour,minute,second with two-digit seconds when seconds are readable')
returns 11,14,37
